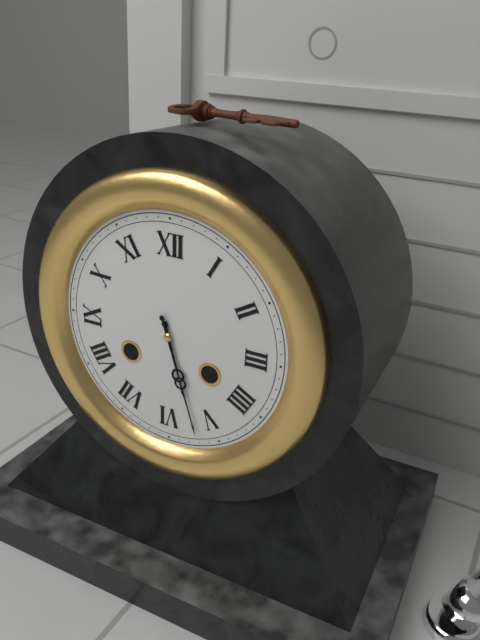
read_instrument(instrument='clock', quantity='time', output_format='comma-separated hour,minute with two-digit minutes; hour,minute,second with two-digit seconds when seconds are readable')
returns 5,27
